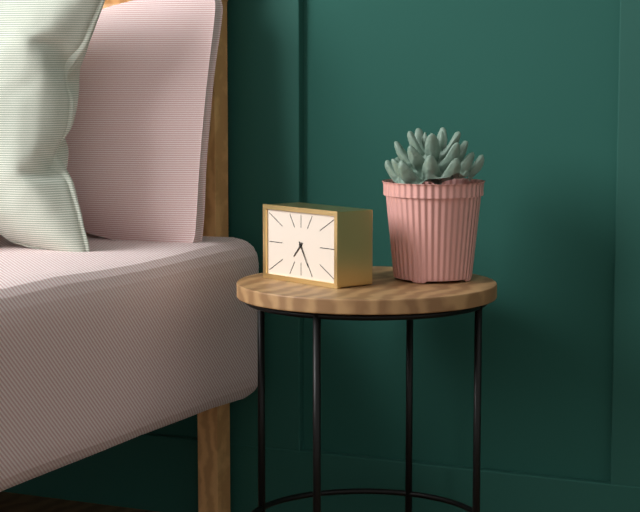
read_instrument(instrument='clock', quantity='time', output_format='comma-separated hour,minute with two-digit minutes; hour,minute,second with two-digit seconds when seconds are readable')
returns 7,25
